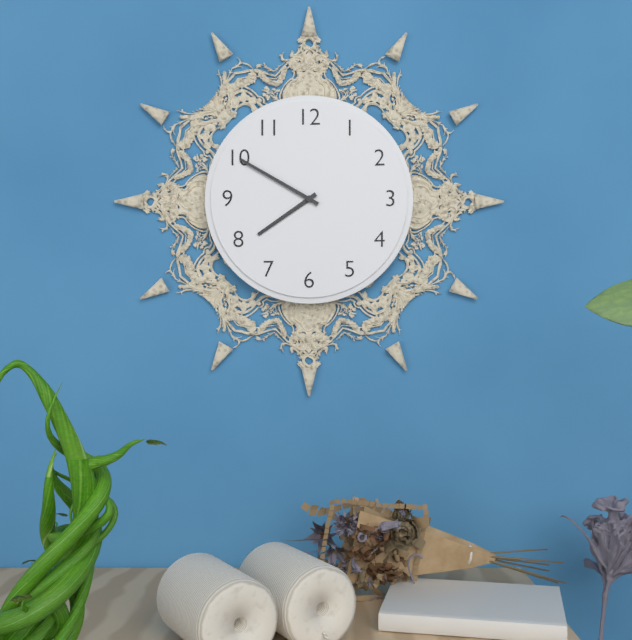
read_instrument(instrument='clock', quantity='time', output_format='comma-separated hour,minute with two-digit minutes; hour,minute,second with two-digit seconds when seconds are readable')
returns 7,50
